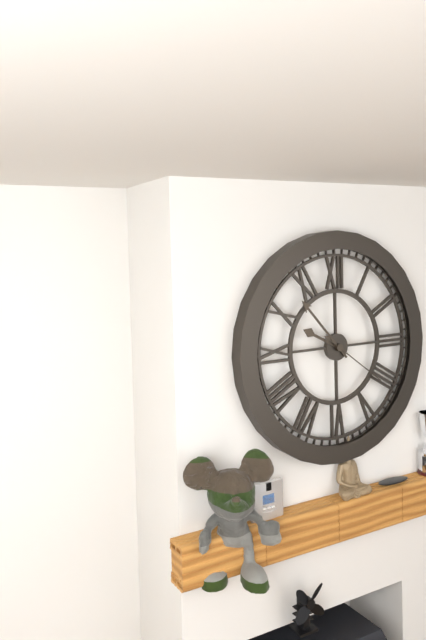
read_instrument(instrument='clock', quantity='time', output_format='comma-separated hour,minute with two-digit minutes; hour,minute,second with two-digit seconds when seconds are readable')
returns 9,53,21
